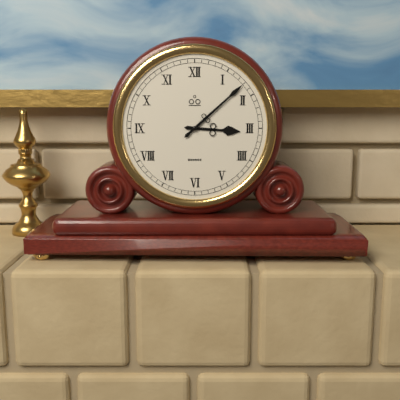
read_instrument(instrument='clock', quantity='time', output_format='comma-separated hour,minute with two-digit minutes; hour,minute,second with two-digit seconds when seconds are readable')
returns 3,08
